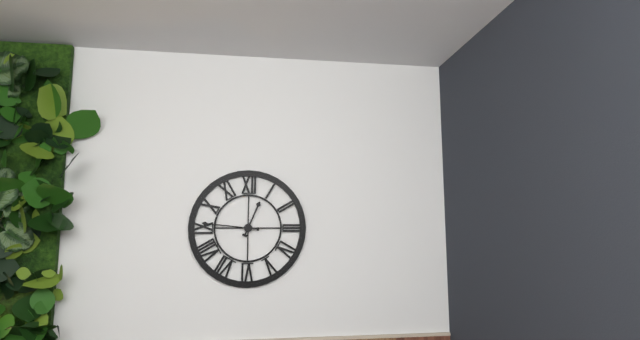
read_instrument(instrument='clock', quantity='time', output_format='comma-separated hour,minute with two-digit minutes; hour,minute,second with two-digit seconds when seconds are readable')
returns 12,46
